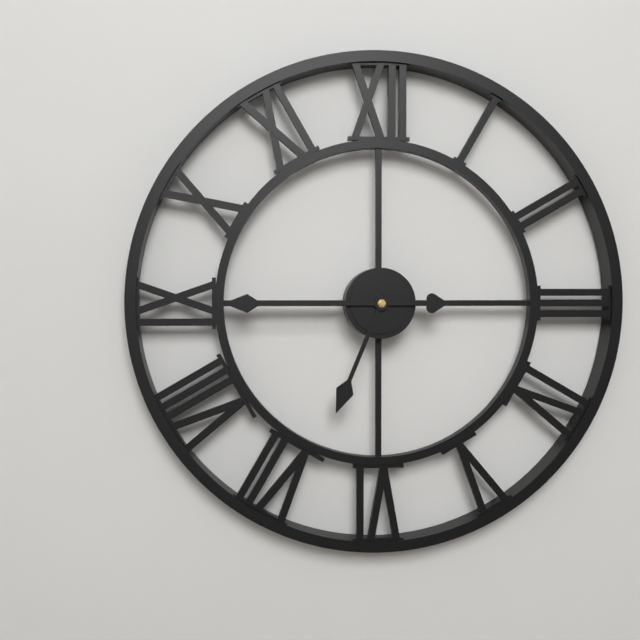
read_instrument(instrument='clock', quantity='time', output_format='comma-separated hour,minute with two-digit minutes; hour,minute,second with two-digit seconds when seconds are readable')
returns 6,45
